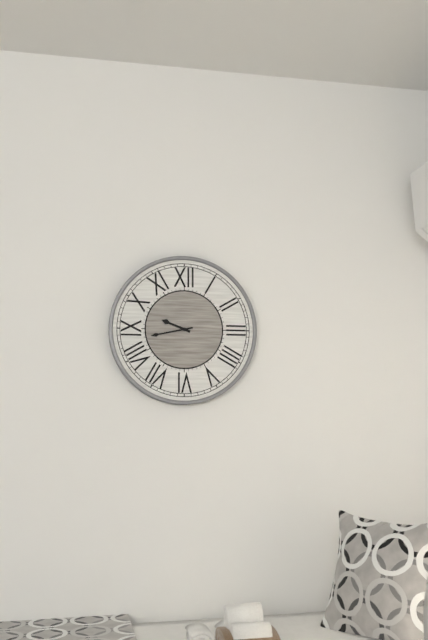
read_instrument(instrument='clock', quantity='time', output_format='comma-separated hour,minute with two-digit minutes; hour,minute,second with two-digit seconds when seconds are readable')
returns 9,43
